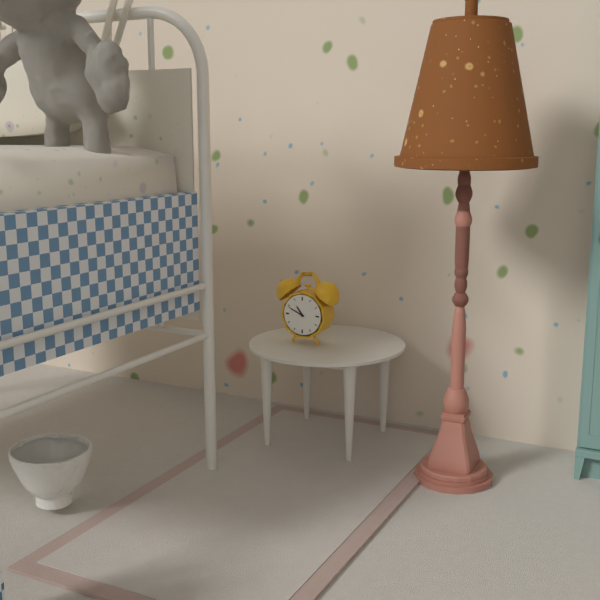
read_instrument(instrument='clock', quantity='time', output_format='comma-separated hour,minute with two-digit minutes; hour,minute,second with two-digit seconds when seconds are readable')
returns 10,49
